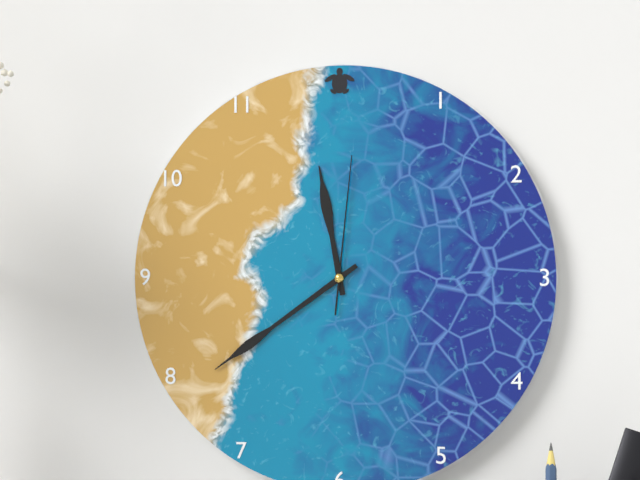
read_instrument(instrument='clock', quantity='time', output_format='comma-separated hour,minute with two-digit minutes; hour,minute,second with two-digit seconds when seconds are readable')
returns 11,39,01
